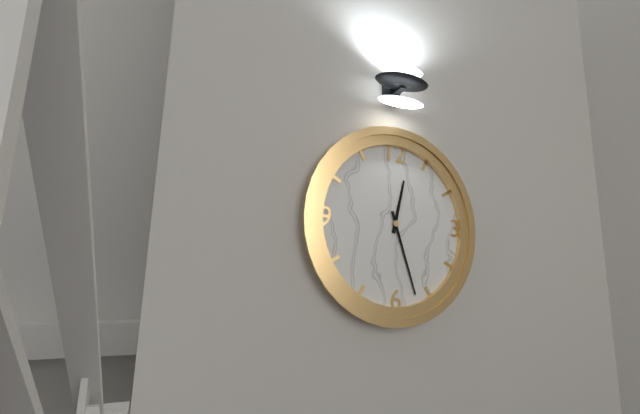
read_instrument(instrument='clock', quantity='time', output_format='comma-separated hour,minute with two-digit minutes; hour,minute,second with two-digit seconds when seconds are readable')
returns 12,27
